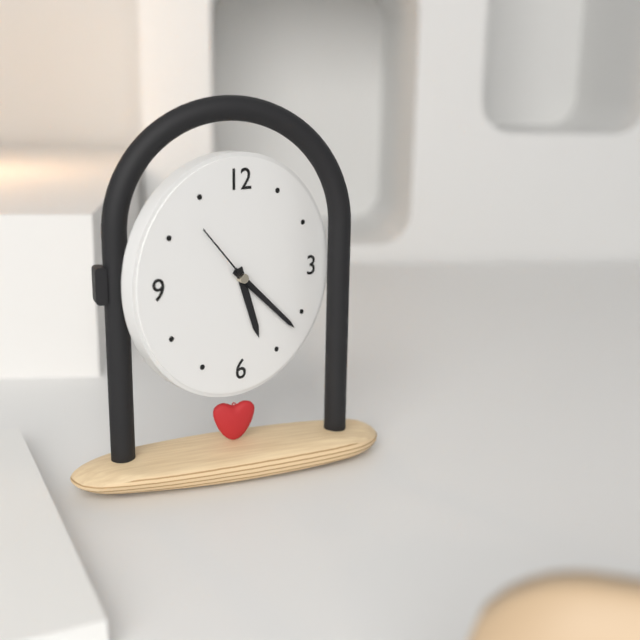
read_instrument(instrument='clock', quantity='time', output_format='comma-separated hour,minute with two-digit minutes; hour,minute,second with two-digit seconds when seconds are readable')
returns 5,22,53
